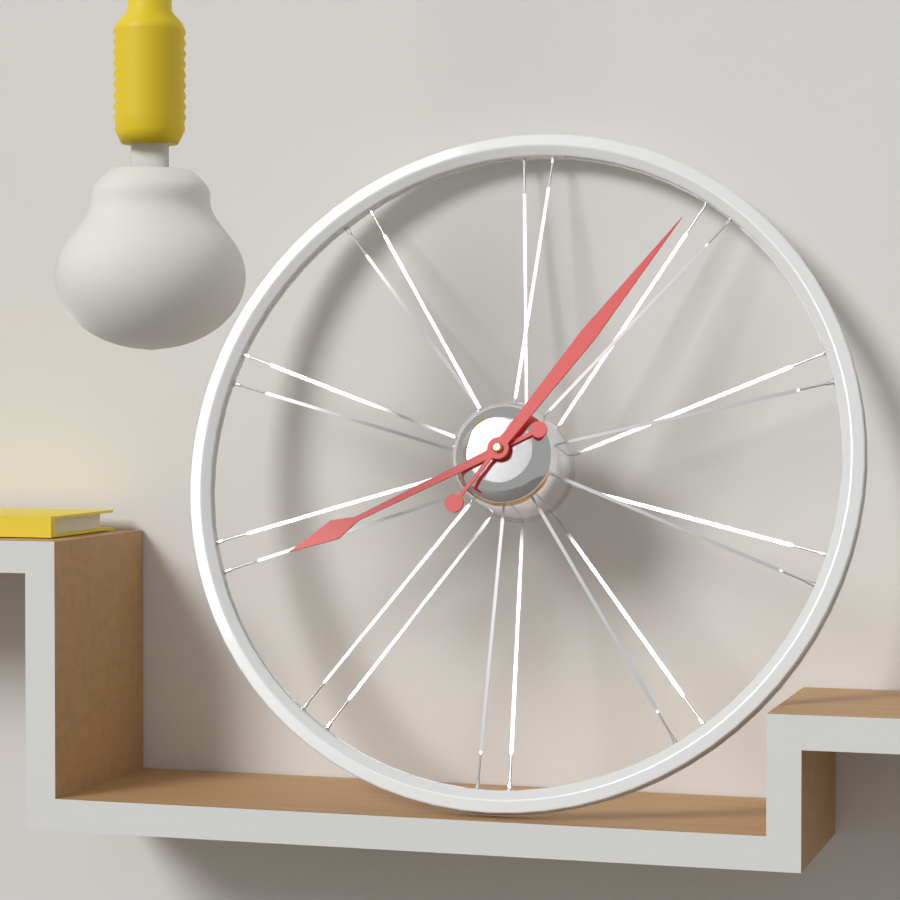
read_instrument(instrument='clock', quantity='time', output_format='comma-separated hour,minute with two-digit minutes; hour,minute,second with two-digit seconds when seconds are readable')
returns 8,06
